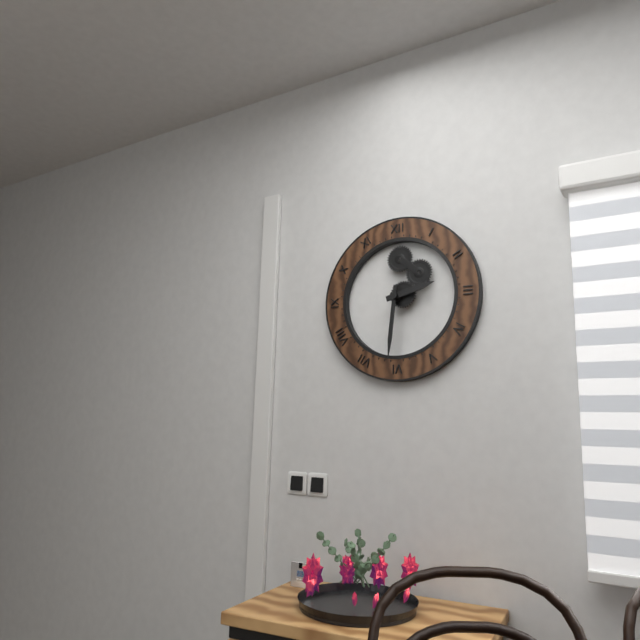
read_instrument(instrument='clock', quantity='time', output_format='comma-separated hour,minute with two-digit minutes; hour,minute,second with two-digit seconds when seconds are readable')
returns 2,31
